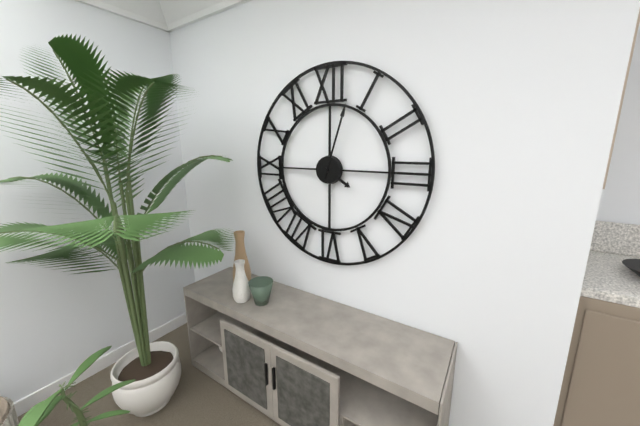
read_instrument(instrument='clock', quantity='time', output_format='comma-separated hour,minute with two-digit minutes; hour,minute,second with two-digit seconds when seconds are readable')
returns 4,03
